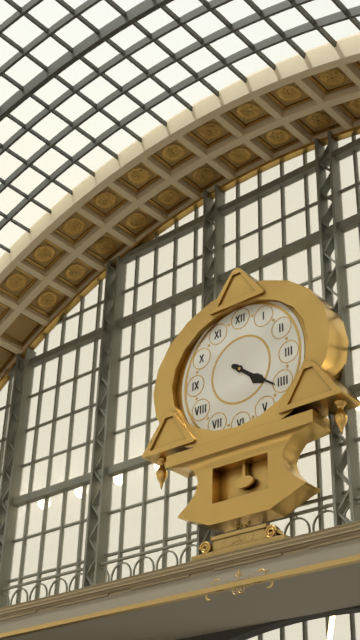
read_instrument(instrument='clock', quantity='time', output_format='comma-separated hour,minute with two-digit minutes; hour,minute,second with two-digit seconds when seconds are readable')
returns 4,21
